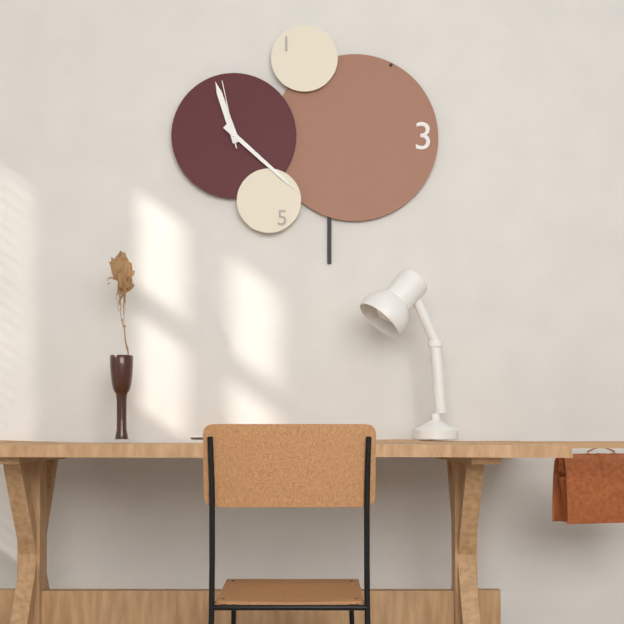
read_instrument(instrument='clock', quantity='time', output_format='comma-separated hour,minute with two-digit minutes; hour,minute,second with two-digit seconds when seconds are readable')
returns 11,22,58
